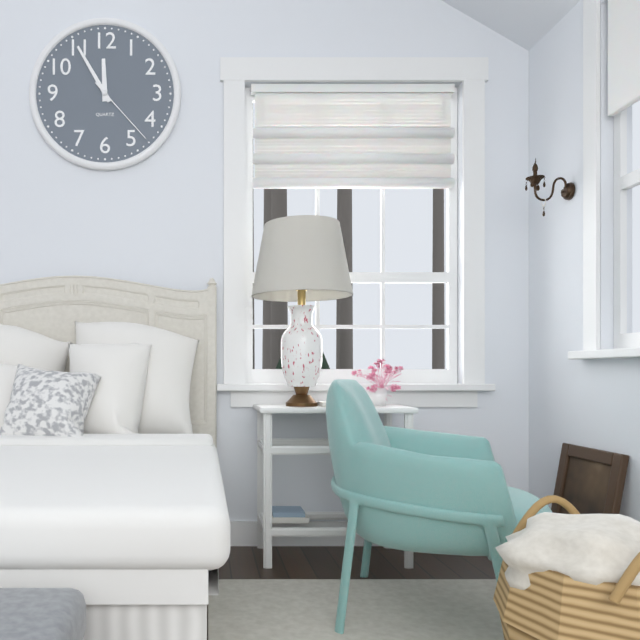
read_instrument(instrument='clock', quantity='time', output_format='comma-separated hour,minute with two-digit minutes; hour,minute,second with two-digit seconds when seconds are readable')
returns 11,55,23
